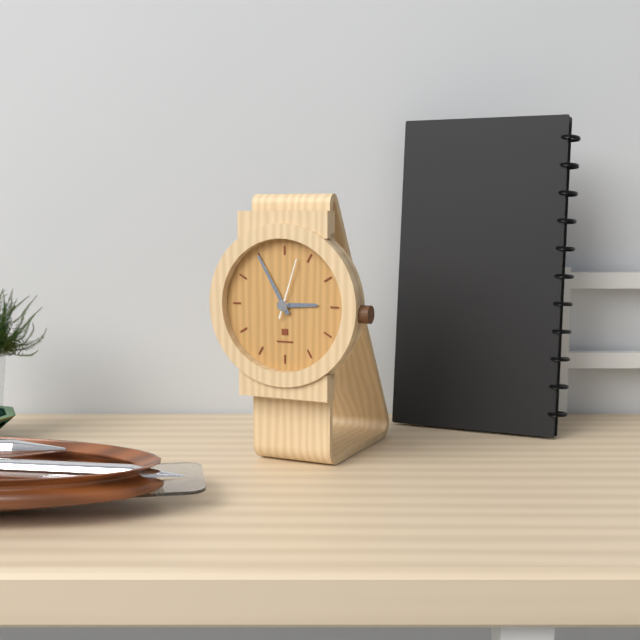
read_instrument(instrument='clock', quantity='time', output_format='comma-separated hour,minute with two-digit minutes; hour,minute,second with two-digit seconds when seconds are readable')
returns 2,55,03
